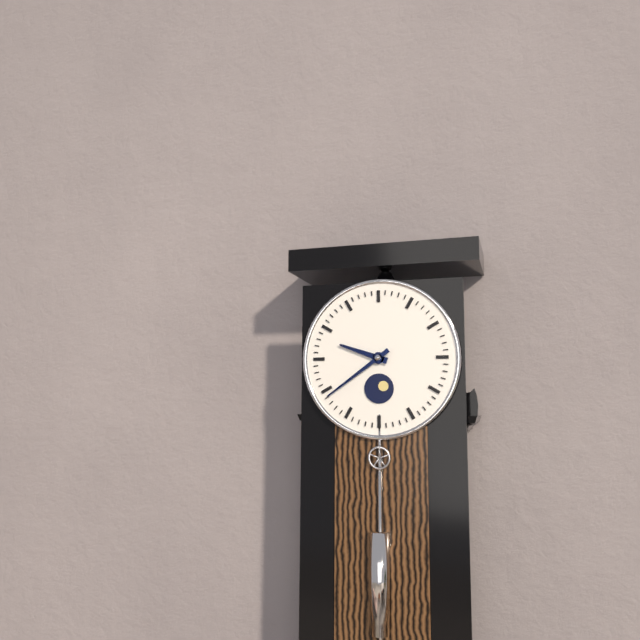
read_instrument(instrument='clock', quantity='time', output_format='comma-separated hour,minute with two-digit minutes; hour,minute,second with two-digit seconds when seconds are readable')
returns 9,39
